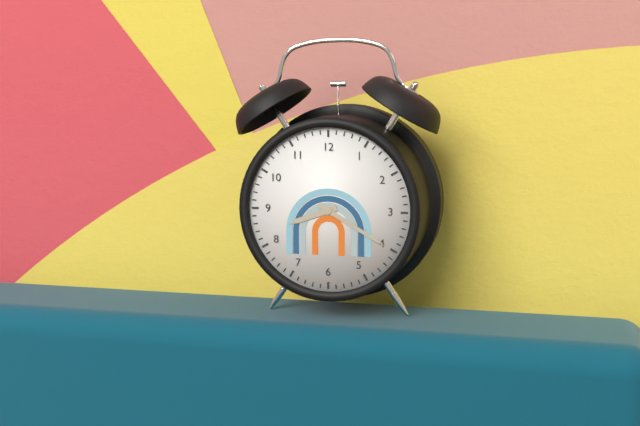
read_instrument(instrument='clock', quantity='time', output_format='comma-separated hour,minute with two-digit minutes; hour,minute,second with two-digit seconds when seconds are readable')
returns 8,20
